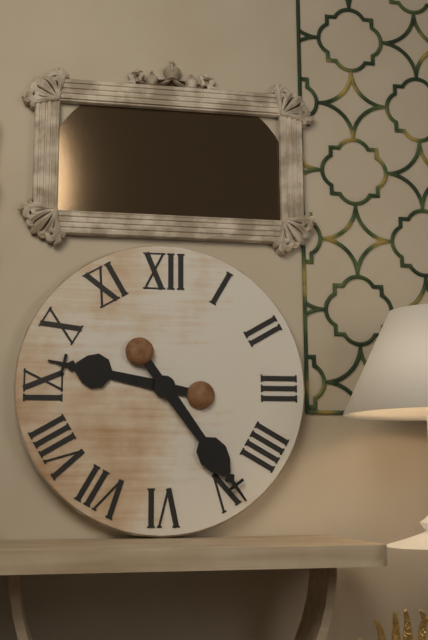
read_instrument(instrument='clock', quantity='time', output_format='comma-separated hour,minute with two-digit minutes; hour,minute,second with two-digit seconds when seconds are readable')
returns 9,24
